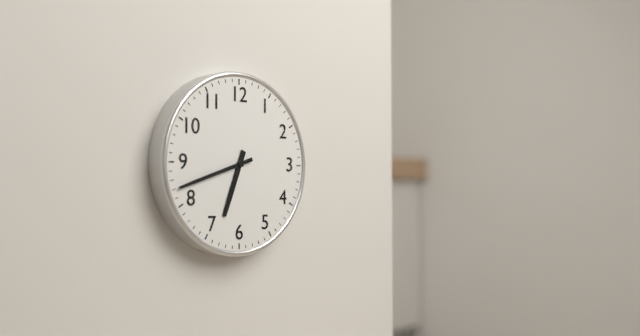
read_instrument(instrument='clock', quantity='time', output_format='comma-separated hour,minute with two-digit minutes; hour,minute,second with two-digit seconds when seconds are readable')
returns 6,42
